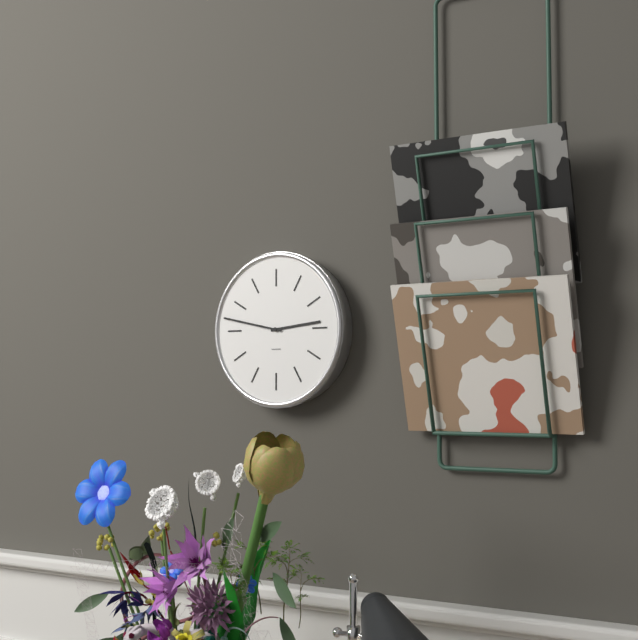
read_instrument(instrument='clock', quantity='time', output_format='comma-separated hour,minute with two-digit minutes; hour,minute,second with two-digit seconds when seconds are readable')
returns 2,47
